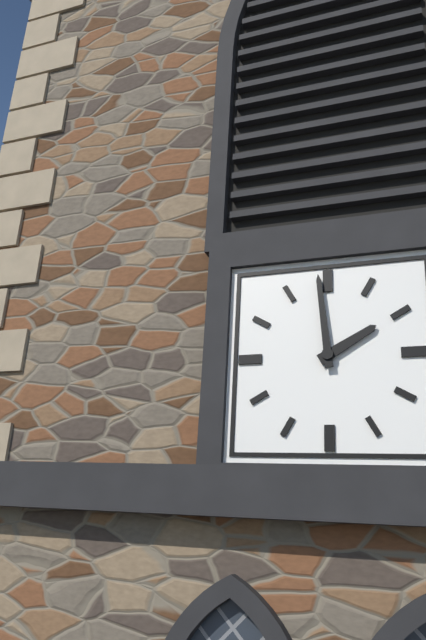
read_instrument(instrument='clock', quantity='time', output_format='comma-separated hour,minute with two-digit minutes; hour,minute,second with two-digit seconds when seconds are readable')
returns 1,59
